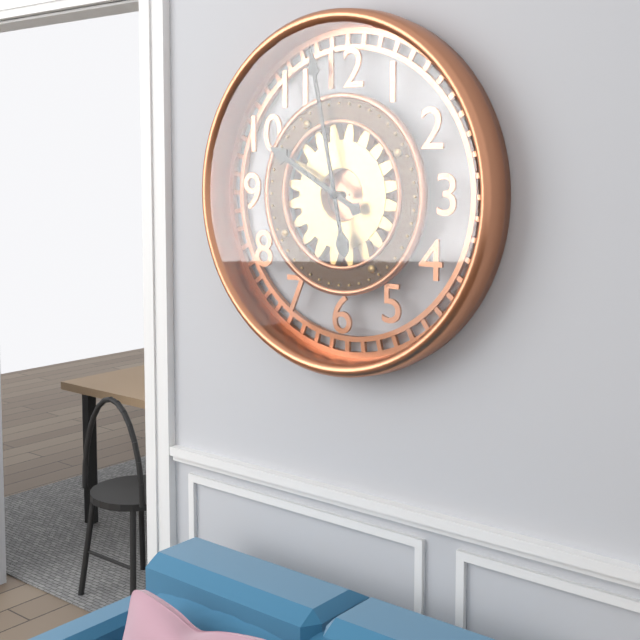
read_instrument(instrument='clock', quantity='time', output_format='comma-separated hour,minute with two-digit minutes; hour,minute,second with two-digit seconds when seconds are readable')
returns 9,58
